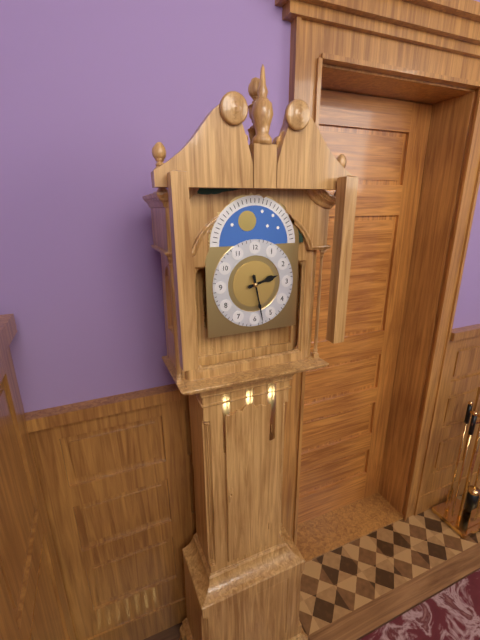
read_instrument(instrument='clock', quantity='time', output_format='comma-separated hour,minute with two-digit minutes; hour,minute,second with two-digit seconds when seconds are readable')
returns 2,28
